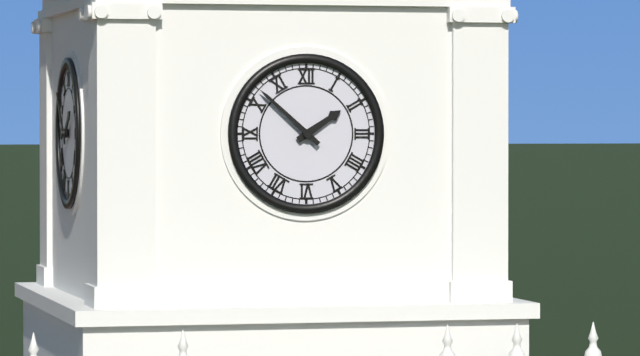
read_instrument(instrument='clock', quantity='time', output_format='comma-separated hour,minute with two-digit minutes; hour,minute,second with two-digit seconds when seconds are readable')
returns 1,52
